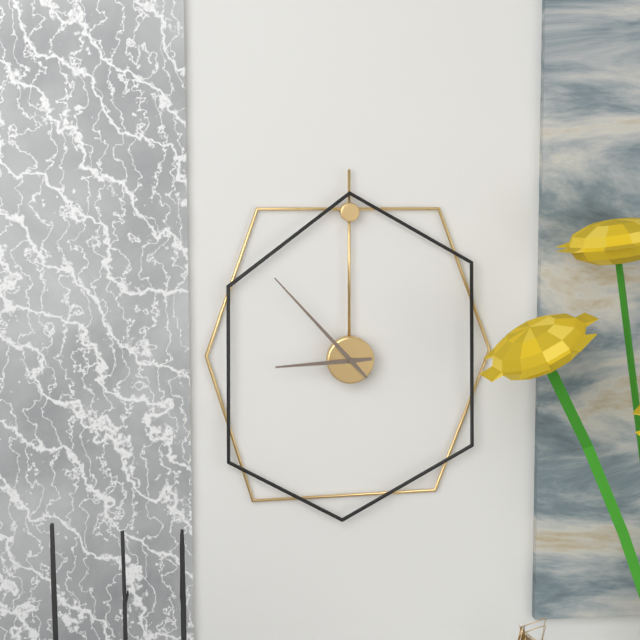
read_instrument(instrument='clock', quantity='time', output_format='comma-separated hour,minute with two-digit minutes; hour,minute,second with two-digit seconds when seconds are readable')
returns 8,53
